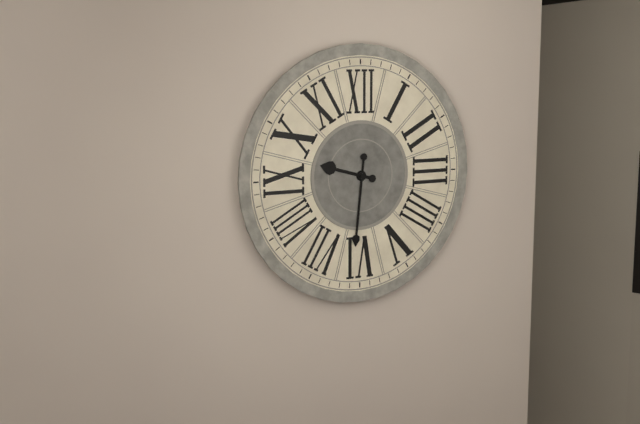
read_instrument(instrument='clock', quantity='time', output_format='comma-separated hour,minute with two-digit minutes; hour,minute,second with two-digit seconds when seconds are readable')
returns 9,31
